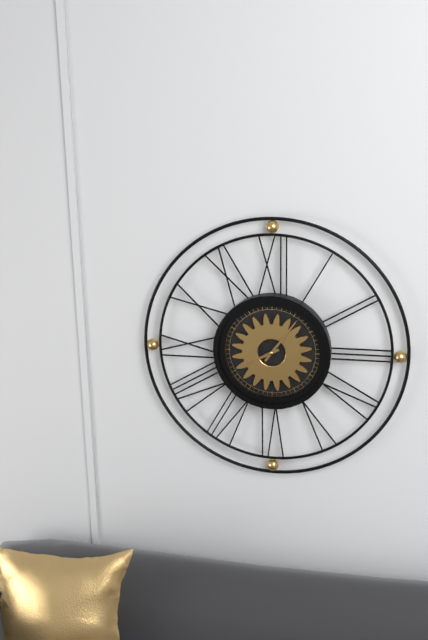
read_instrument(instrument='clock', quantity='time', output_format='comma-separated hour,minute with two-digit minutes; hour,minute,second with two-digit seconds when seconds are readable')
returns 8,06
